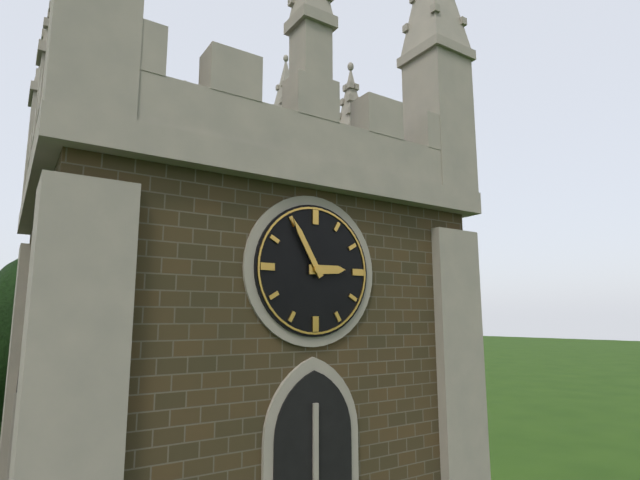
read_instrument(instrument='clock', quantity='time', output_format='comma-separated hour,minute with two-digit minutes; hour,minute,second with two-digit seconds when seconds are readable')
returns 2,55
